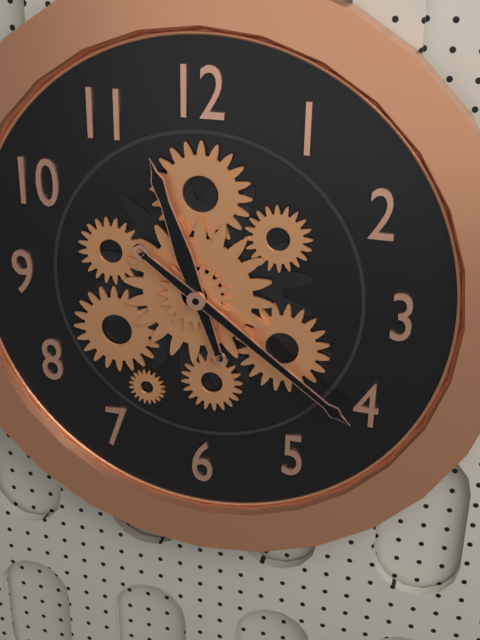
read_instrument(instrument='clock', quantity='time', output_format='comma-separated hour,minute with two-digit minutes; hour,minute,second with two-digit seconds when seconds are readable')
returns 11,21
